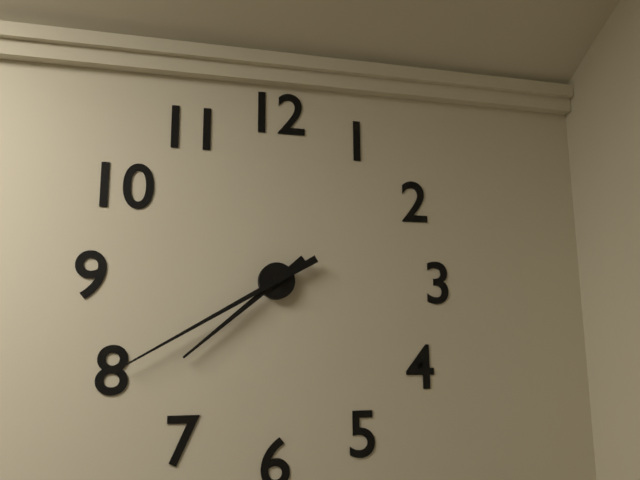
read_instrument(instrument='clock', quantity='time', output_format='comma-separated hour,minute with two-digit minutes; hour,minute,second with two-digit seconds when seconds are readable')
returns 7,40
